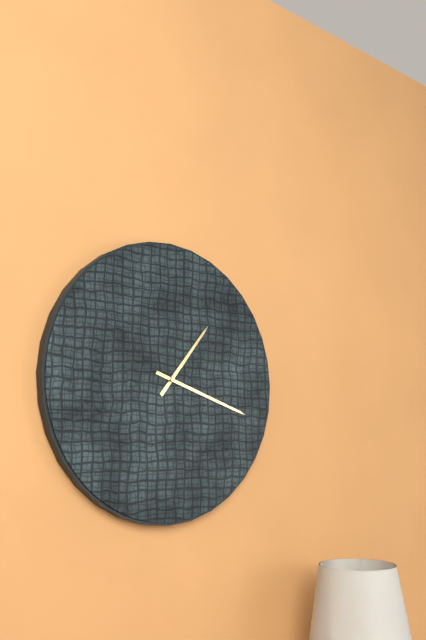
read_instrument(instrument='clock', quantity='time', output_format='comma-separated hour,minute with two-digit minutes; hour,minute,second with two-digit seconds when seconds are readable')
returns 1,18
